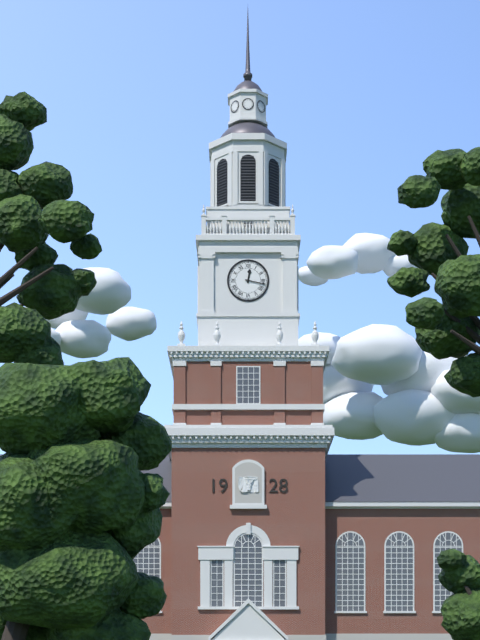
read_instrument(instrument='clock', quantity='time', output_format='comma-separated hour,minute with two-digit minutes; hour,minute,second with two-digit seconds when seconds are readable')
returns 12,17
